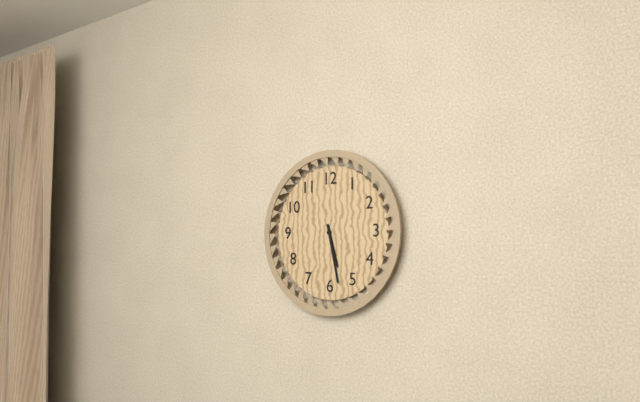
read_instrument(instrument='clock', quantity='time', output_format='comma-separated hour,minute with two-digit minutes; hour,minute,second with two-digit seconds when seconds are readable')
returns 5,28
